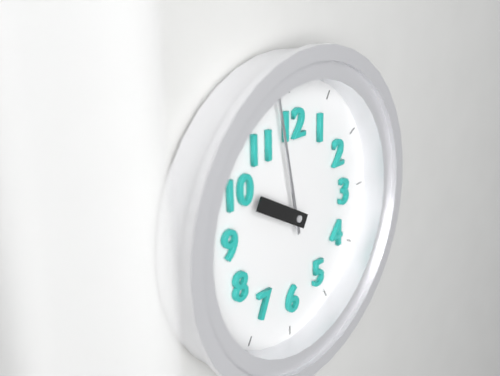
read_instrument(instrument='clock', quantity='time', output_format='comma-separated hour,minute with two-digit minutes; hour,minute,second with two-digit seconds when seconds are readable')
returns 9,58
